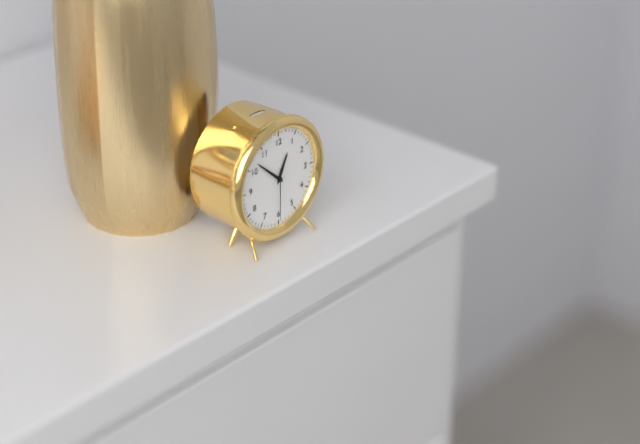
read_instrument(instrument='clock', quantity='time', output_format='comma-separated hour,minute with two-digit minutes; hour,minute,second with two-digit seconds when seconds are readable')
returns 12,52,30
